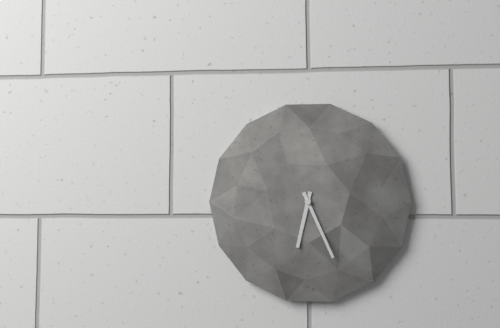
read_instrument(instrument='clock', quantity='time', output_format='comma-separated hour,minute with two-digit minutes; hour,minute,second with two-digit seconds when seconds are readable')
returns 6,26
